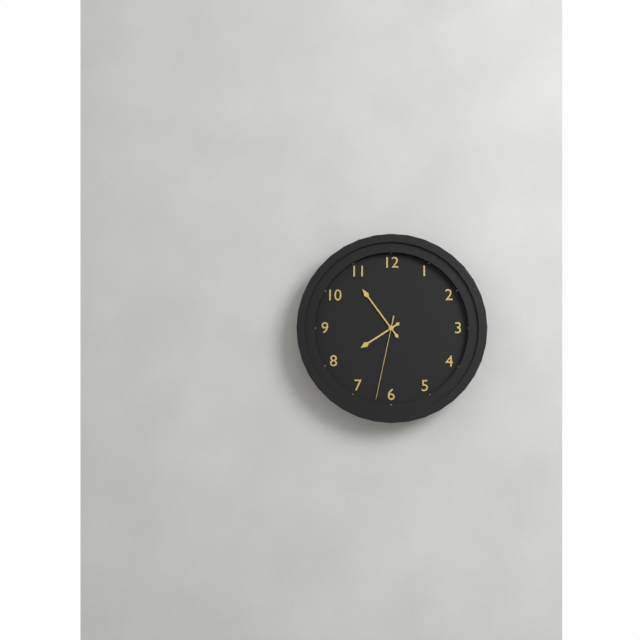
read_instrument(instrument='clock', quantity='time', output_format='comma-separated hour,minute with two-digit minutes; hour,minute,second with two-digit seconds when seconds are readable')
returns 7,54,32
